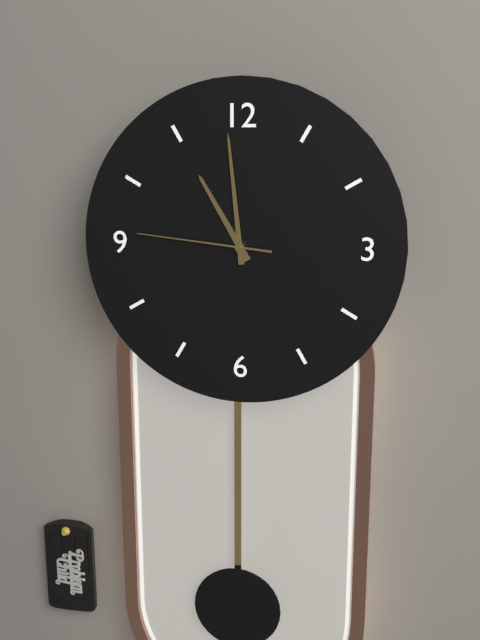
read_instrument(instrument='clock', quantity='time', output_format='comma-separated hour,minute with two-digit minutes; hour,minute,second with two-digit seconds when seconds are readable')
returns 10,59,46
